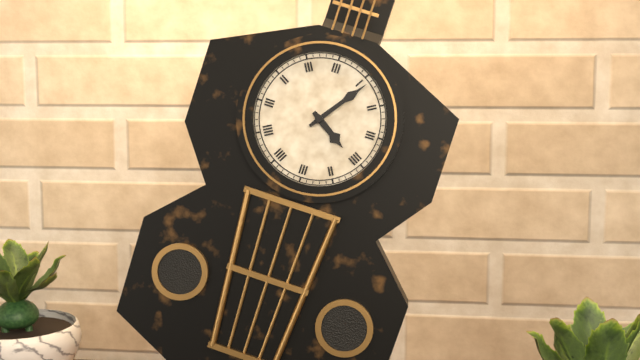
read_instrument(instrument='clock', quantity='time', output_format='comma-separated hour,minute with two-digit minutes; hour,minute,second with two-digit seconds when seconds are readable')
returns 4,06
